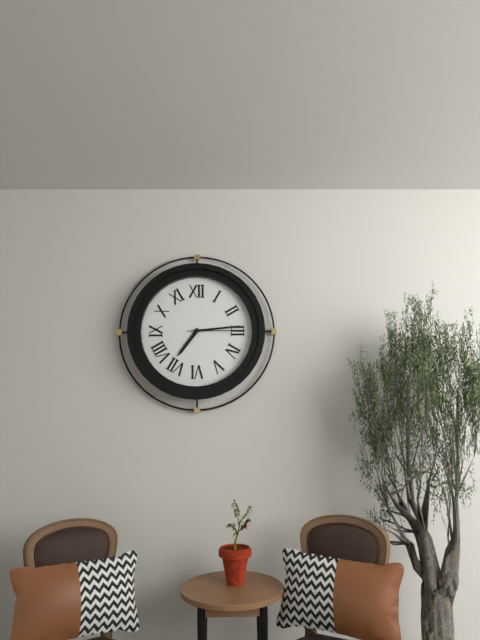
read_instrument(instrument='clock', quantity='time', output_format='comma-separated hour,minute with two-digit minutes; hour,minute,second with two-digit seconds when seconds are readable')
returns 7,14,15
